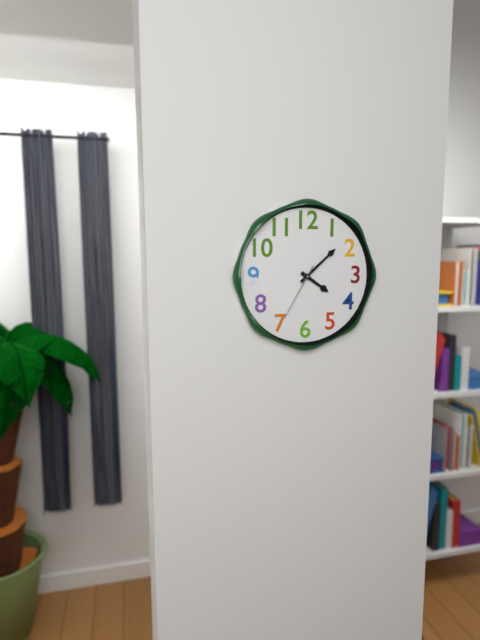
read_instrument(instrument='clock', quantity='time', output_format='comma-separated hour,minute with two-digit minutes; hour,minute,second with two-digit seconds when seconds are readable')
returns 4,08,35
